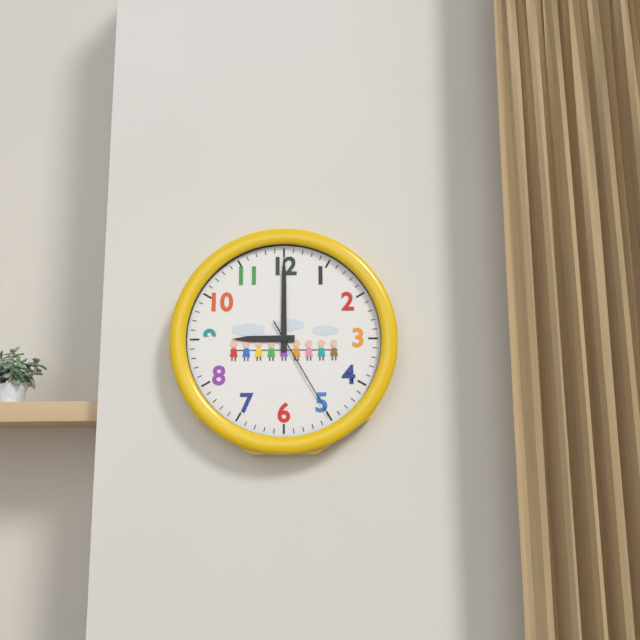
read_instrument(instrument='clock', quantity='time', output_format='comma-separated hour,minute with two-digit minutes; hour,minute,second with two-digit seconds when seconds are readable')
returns 9,00,25
